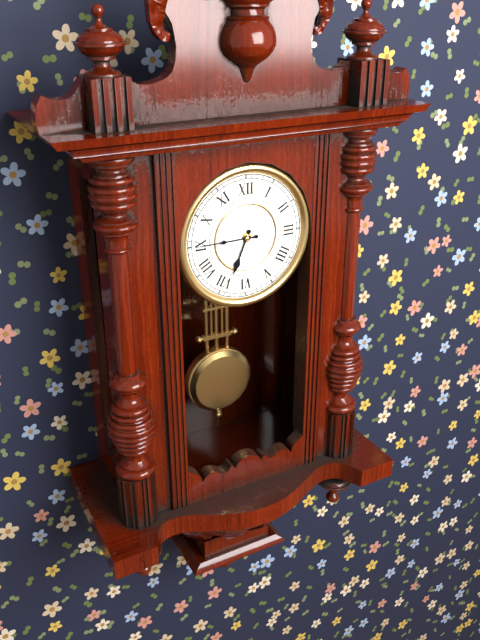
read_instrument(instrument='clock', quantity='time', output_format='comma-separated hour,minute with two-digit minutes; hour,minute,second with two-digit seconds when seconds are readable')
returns 6,45
